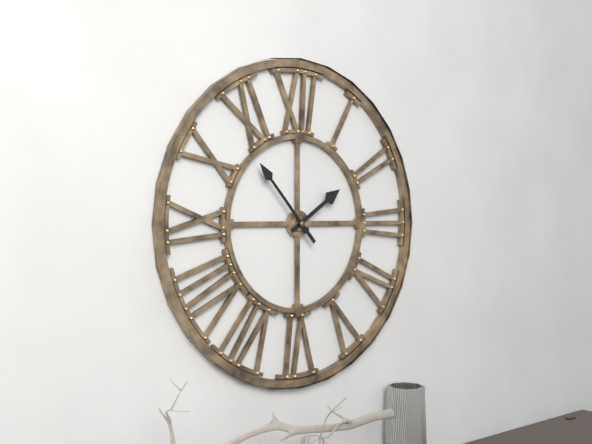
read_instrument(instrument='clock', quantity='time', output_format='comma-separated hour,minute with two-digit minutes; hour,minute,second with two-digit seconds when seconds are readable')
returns 1,53
